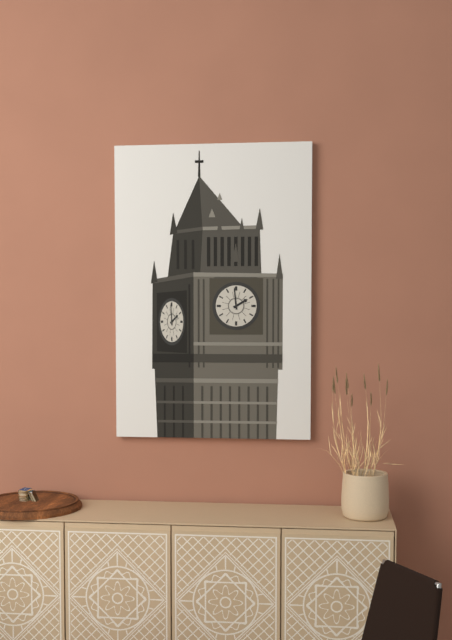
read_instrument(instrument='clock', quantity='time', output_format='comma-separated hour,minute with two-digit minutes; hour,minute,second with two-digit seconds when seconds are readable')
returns 1,59
